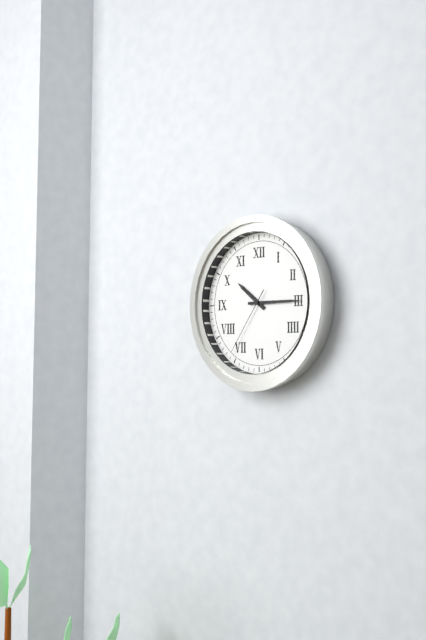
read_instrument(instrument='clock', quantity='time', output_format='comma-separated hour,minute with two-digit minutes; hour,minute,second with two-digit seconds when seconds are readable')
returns 10,15,36
